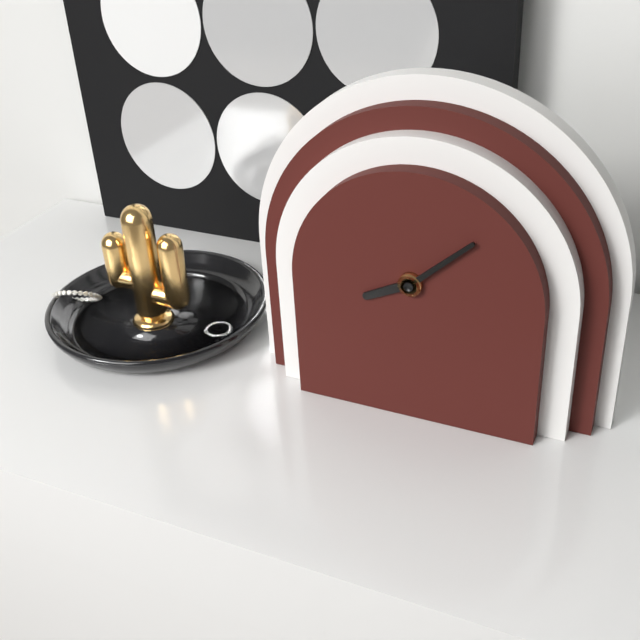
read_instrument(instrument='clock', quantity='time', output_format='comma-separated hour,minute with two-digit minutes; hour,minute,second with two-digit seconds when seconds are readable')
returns 8,08
